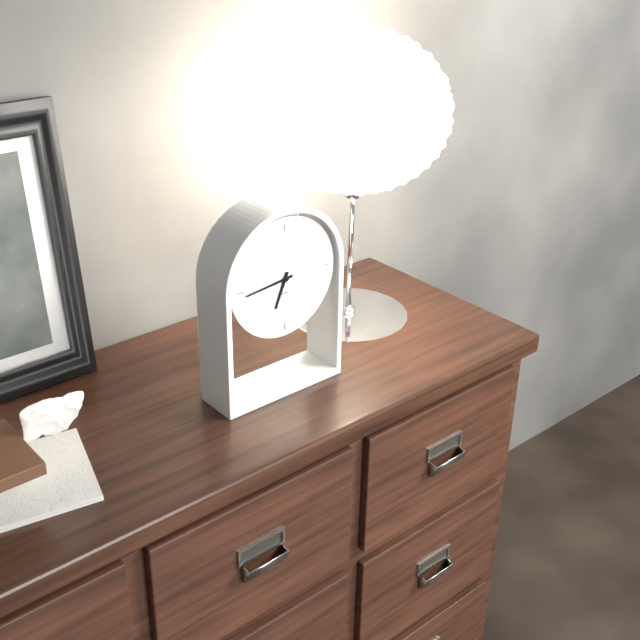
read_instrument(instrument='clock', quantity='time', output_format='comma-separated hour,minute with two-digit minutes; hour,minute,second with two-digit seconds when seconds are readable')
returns 6,44
